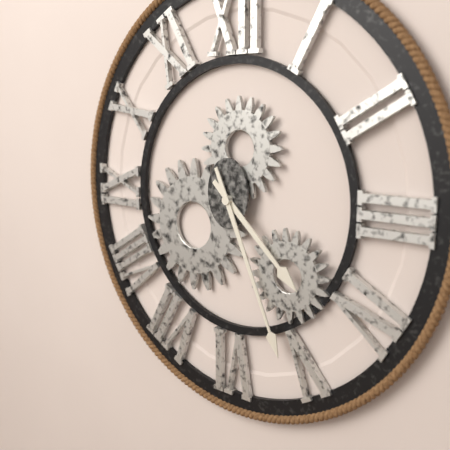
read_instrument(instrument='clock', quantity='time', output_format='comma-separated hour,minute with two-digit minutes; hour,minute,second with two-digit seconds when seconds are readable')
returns 4,26
